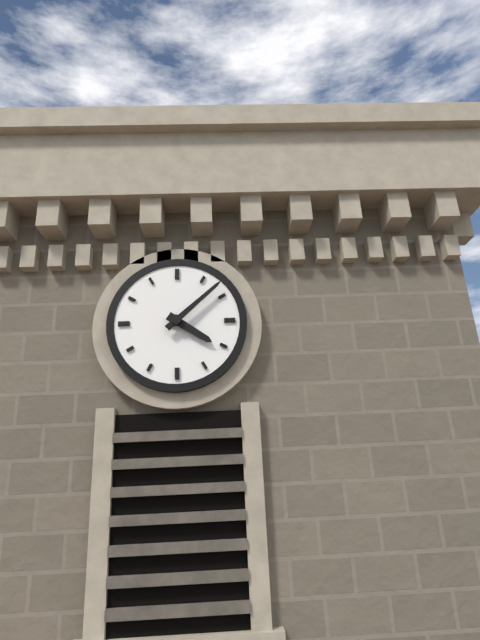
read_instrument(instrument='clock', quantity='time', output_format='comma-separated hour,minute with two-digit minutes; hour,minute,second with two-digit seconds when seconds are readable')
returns 4,08
